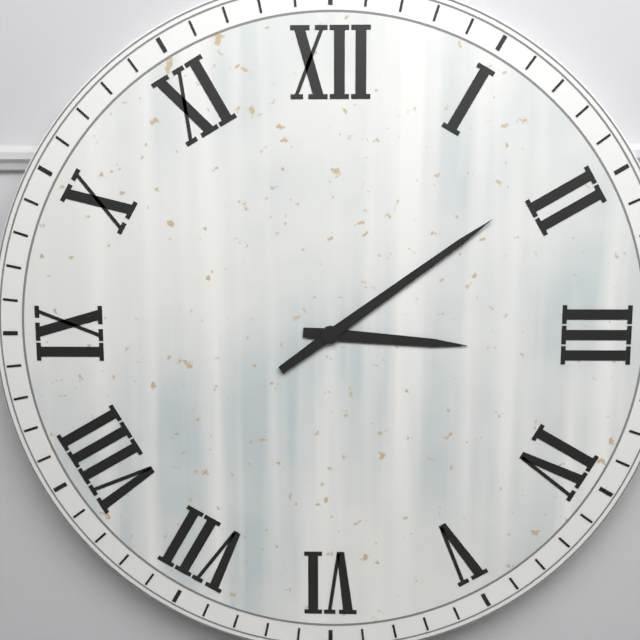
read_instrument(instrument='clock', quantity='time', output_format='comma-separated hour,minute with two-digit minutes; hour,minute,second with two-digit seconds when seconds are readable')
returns 3,09
